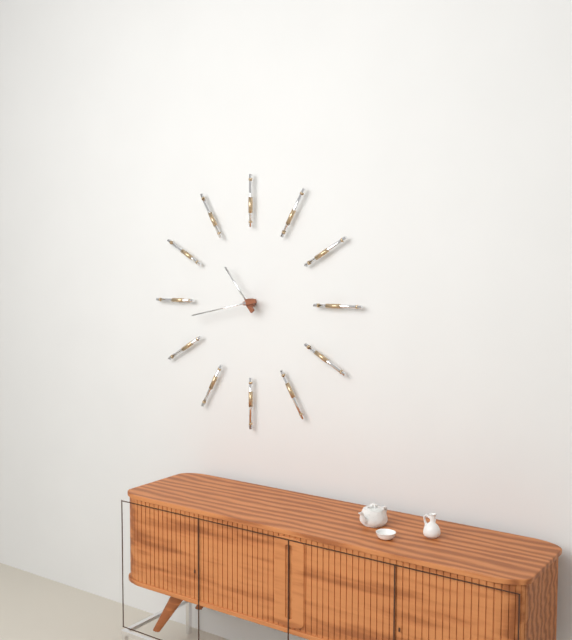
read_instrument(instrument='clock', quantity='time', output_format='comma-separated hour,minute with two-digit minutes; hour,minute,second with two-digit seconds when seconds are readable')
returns 10,43
